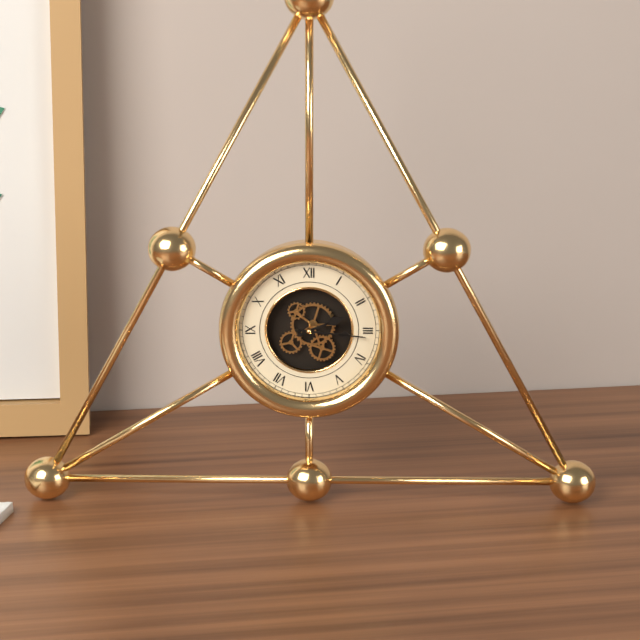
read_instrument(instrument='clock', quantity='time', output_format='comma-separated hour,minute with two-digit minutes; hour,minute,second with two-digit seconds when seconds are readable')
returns 2,16
